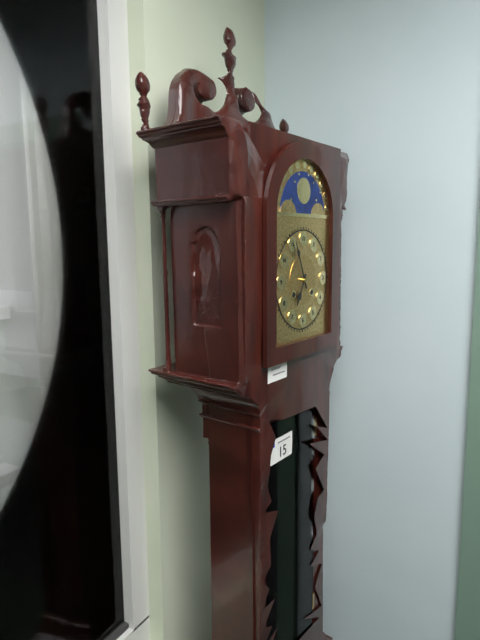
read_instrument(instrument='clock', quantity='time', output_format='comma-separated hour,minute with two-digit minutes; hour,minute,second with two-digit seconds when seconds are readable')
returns 6,56
